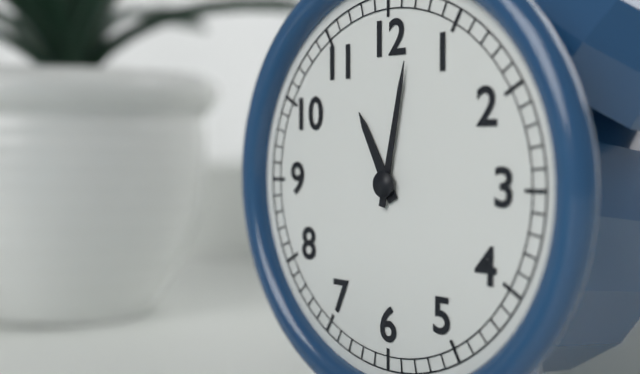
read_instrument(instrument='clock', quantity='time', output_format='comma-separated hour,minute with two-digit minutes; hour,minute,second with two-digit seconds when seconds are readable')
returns 11,02
